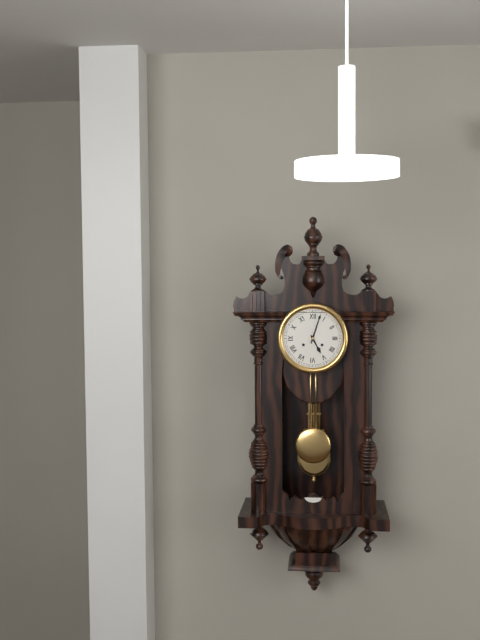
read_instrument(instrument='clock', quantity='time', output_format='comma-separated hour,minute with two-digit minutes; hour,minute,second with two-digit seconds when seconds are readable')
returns 5,03
